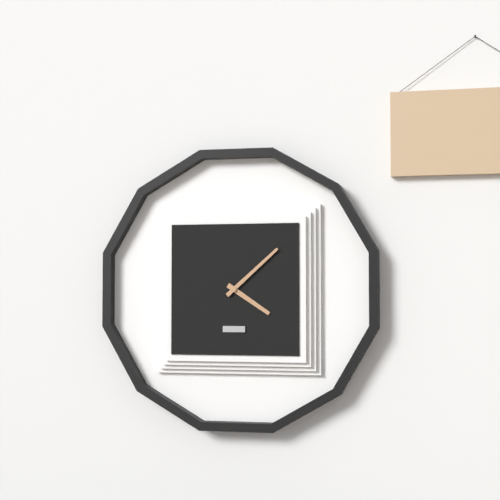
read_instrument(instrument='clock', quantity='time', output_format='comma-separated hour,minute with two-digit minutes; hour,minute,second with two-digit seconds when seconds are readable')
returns 4,08
